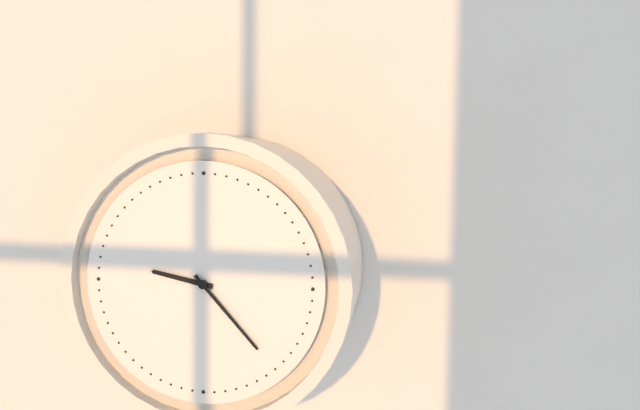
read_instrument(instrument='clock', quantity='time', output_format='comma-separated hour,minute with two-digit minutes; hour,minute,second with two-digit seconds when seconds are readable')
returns 9,23
